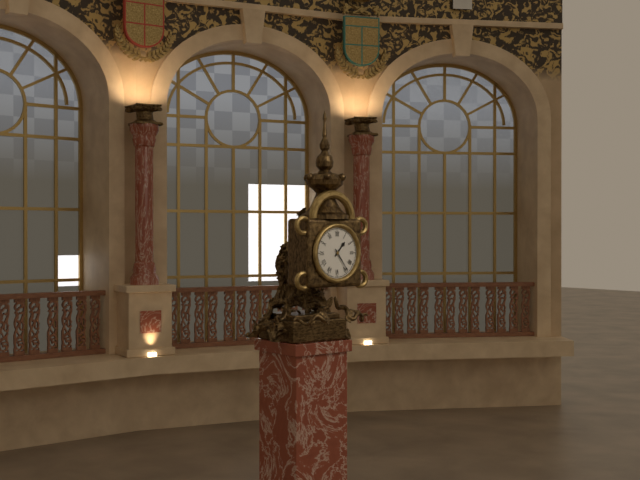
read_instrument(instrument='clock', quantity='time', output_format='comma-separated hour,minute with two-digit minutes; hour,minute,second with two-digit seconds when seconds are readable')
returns 1,24
